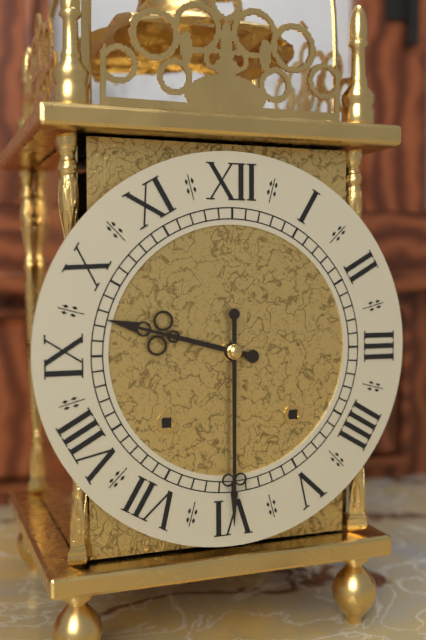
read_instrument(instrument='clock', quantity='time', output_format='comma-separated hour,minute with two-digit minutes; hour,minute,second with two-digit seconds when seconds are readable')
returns 9,30
